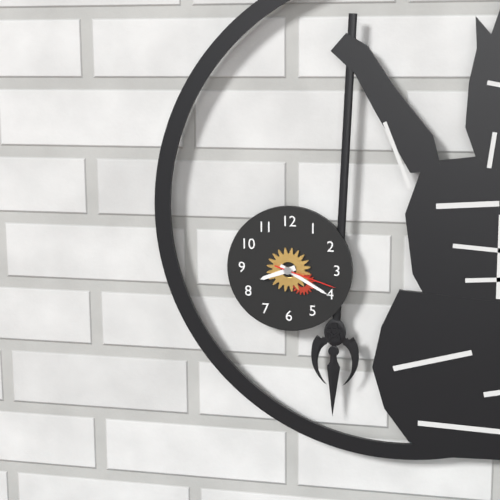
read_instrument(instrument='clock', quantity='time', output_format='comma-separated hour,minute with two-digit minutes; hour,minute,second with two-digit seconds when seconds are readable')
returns 8,20,18
